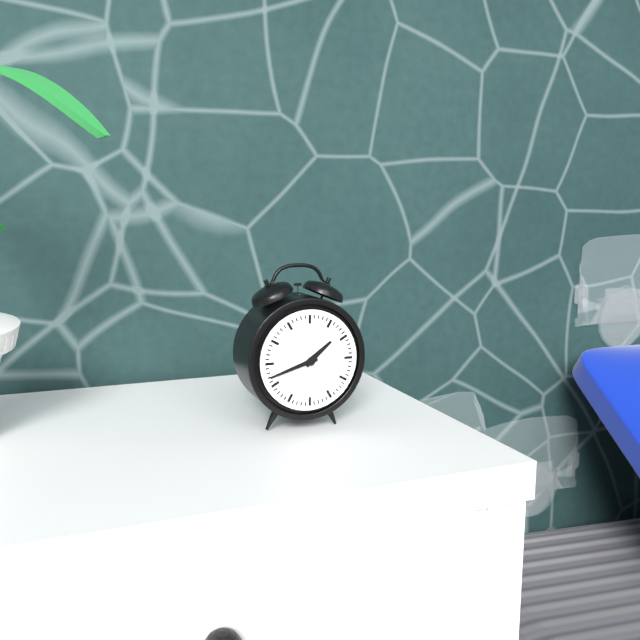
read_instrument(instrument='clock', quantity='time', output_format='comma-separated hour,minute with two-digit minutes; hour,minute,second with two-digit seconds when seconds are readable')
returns 1,42
